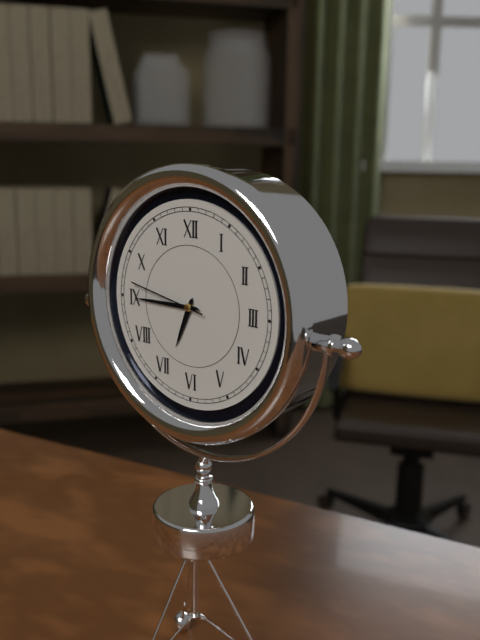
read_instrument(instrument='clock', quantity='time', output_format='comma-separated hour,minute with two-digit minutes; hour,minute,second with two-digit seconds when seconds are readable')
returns 6,45,47
